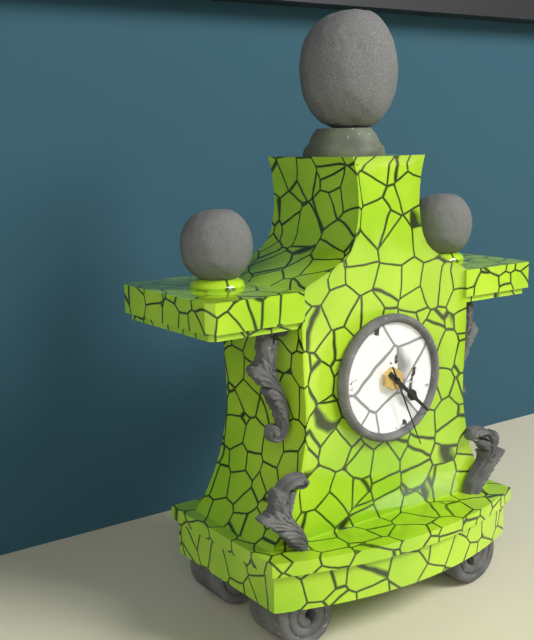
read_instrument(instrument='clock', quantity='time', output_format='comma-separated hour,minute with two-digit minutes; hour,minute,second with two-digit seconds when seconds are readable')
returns 4,22,26
